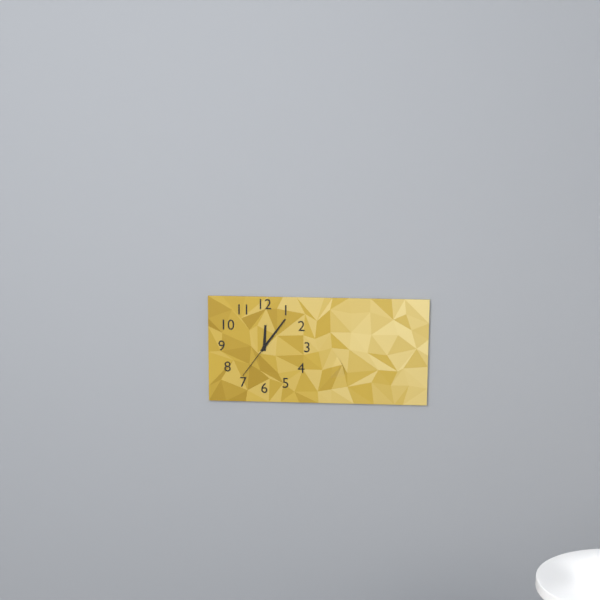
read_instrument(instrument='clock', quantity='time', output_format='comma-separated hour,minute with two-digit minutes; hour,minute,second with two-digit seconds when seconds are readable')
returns 12,06
